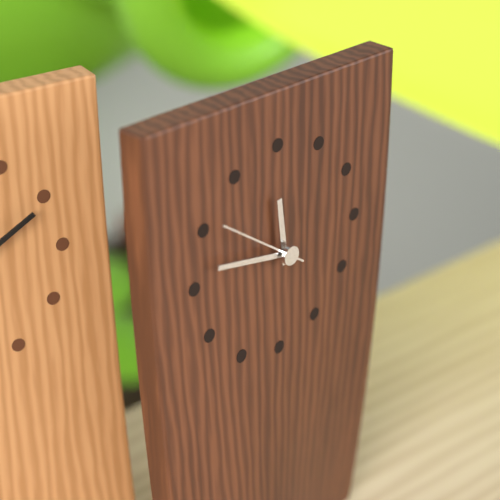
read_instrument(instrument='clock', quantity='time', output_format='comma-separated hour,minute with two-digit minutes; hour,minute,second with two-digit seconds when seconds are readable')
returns 11,47,51
